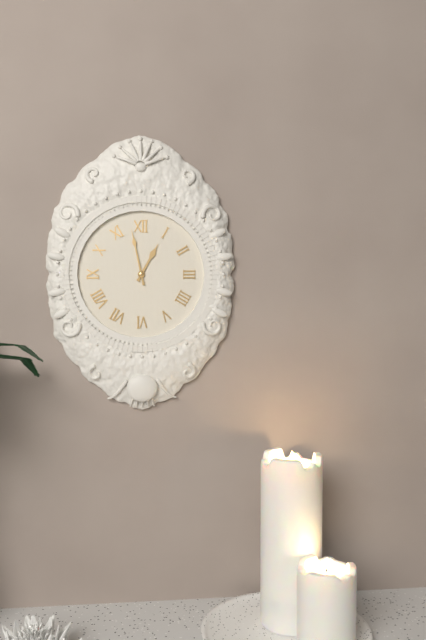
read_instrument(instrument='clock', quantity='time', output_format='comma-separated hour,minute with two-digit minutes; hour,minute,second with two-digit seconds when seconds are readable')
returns 12,58
